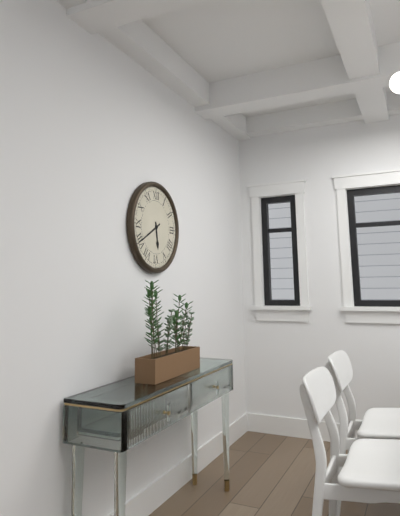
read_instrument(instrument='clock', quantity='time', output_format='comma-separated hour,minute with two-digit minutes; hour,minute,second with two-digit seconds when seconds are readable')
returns 5,40
